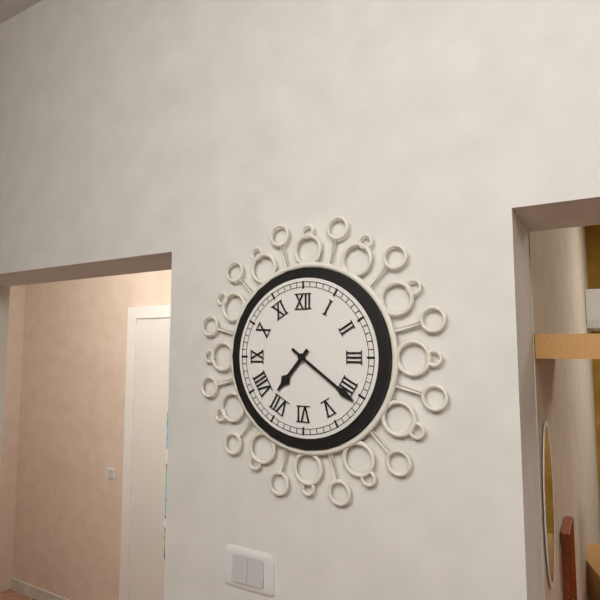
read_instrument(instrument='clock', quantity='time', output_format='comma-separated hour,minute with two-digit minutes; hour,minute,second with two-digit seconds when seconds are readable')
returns 7,21
